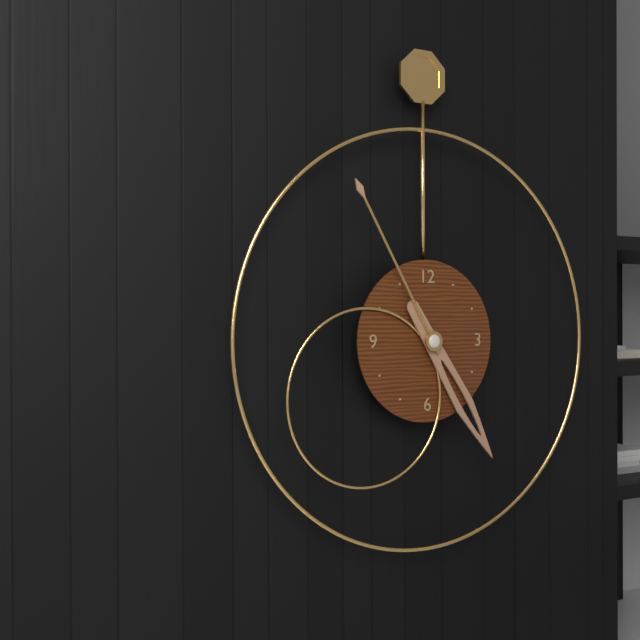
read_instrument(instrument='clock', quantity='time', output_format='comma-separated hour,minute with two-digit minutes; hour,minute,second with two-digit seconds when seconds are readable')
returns 4,55
